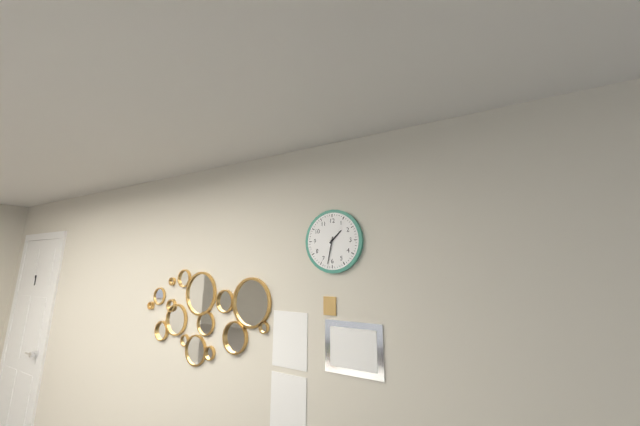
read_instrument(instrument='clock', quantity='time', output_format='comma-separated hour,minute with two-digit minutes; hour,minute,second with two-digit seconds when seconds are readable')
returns 1,32
